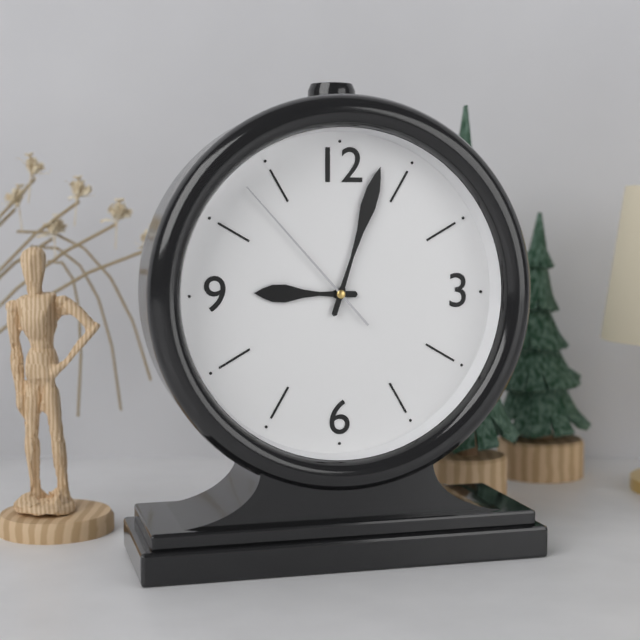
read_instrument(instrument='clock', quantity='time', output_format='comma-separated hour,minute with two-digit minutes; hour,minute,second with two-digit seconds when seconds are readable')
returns 9,03,53
